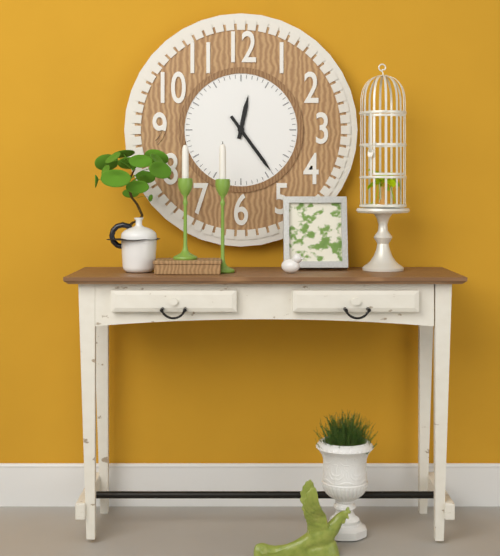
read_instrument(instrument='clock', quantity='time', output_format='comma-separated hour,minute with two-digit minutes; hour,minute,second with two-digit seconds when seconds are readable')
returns 12,24
